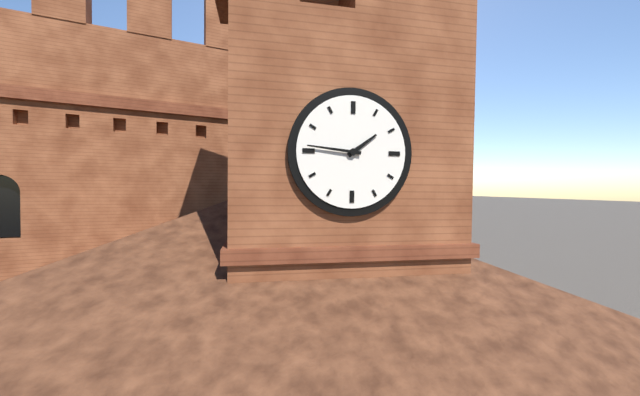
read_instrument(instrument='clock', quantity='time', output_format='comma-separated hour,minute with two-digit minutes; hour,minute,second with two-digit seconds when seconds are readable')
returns 1,46
